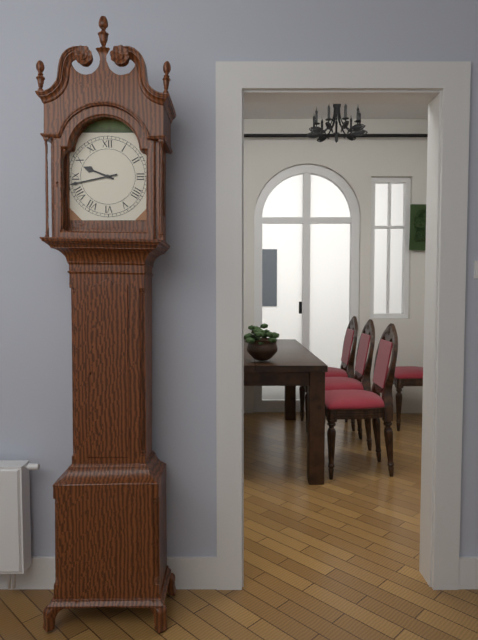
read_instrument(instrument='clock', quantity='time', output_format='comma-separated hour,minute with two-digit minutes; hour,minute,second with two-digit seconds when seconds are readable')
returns 9,43
